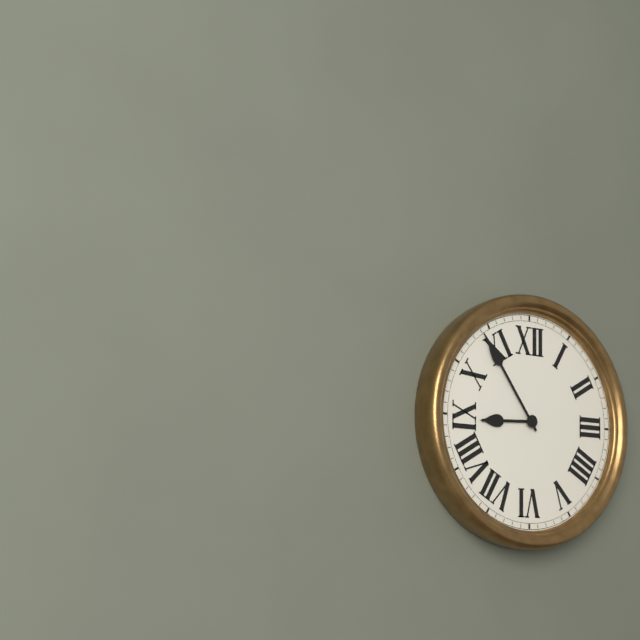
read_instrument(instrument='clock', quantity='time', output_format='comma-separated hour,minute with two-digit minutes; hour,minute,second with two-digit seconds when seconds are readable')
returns 8,54
